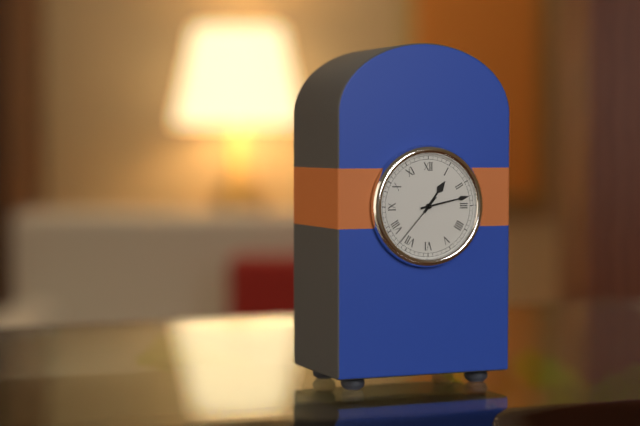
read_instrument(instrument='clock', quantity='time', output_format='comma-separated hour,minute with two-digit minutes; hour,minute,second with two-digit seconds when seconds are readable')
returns 1,13,37
